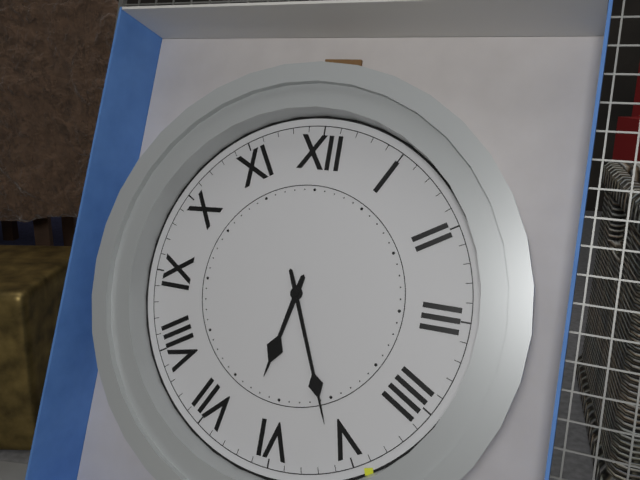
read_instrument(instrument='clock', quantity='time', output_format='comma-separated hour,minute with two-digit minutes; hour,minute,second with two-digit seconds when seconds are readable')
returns 6,26
